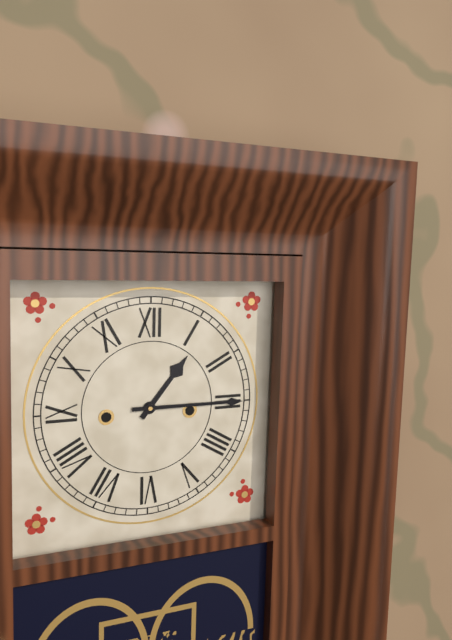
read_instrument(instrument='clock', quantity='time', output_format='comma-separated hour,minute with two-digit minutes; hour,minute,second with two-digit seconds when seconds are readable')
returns 1,15
